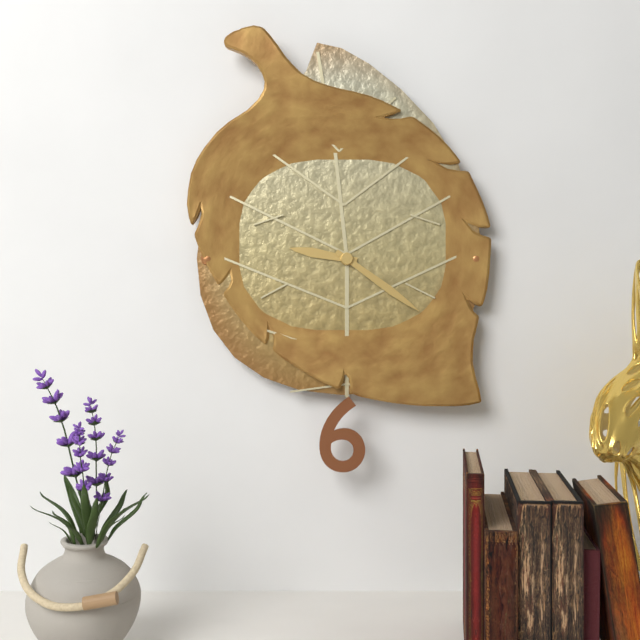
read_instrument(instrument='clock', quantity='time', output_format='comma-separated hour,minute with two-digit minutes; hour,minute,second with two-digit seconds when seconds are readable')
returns 9,21
